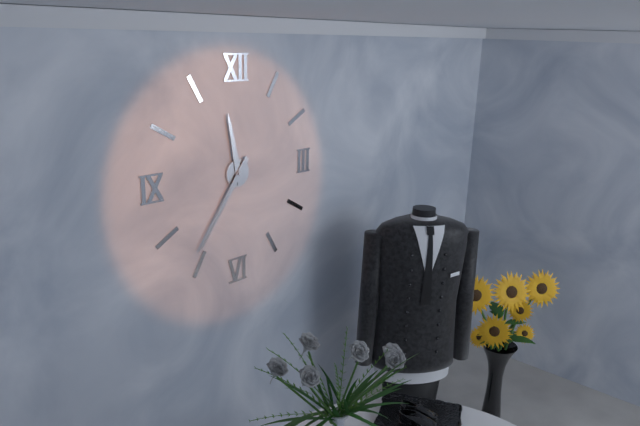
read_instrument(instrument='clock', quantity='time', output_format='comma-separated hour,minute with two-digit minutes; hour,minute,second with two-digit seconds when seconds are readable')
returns 11,36
